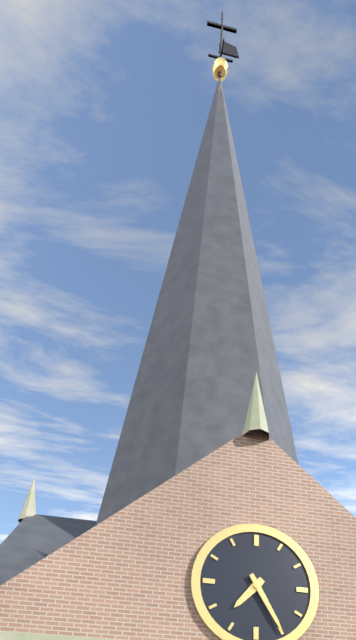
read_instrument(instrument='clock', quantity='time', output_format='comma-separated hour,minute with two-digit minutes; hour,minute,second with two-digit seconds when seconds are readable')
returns 7,25
